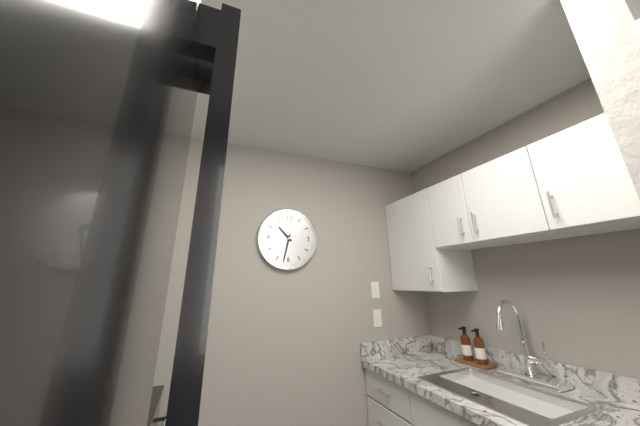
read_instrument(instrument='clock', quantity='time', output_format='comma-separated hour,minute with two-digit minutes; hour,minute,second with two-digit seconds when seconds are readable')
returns 10,32
